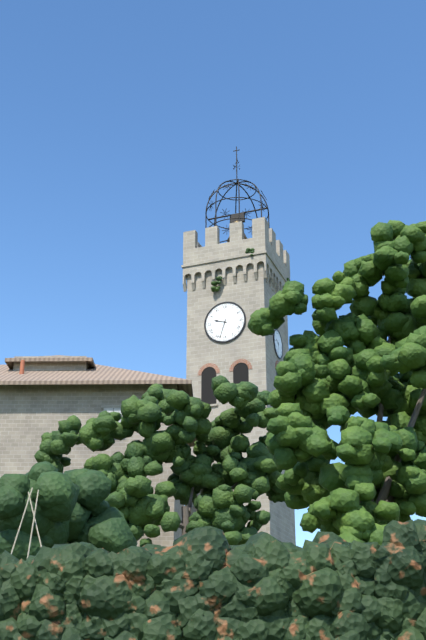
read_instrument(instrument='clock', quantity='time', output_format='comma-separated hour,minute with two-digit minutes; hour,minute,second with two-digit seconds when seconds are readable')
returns 9,33
